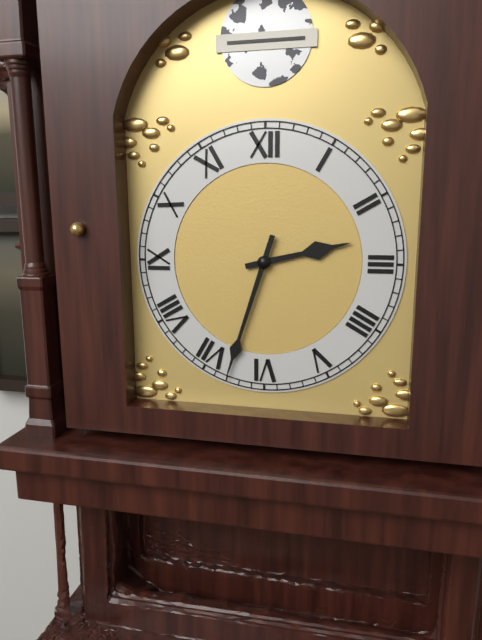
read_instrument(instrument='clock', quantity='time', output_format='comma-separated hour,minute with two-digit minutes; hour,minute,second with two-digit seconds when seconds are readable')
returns 2,33
